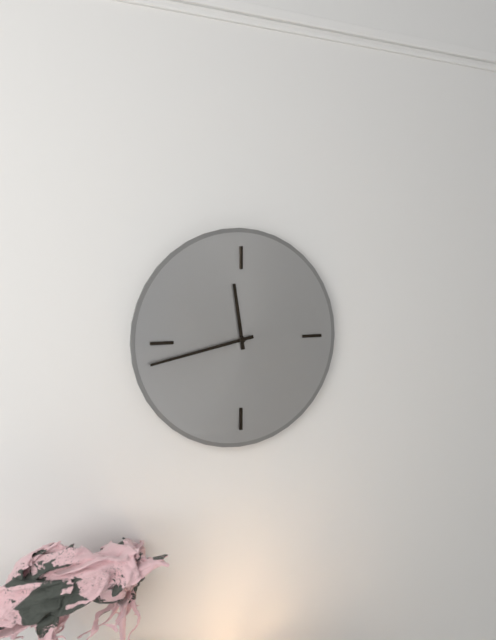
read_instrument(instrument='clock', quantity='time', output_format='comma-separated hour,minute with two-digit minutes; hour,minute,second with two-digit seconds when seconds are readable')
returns 11,43
